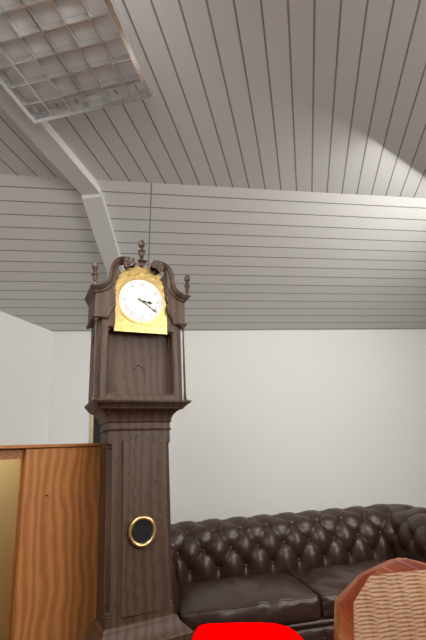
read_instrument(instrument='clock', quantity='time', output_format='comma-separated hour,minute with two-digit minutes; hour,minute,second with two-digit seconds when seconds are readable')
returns 3,21
